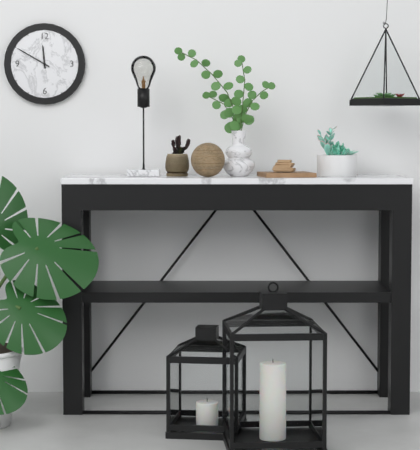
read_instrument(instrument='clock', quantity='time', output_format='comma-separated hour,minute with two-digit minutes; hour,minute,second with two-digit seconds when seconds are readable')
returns 11,50
